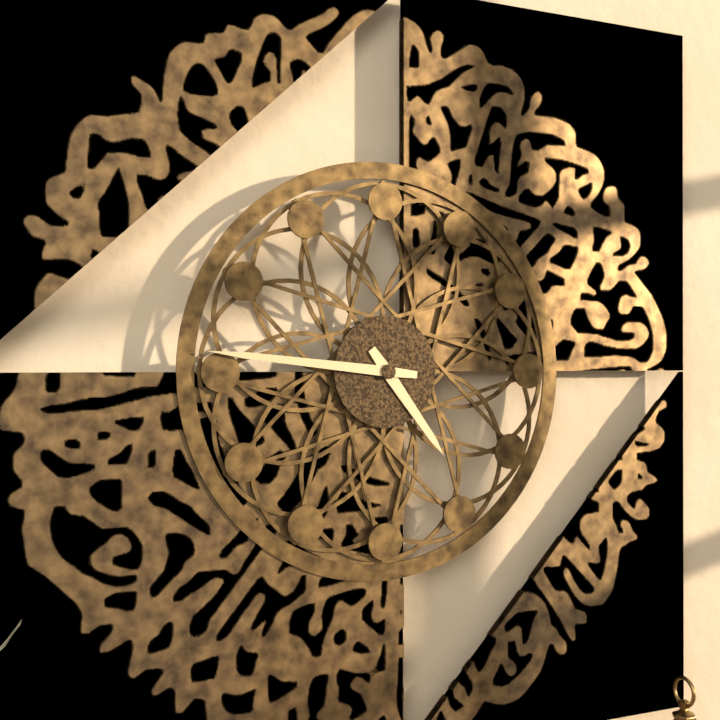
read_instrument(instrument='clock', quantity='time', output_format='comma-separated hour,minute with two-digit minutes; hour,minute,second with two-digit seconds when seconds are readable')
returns 4,46
